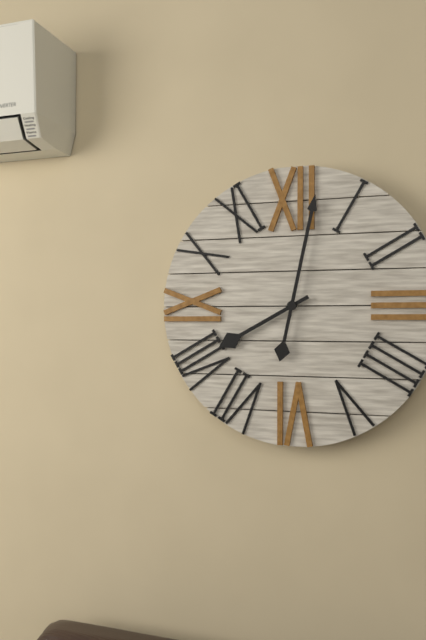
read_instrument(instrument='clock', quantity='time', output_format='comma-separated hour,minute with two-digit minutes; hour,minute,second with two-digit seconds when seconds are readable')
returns 8,02
